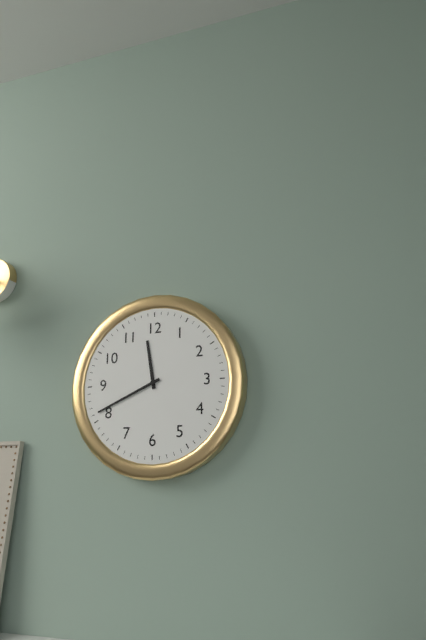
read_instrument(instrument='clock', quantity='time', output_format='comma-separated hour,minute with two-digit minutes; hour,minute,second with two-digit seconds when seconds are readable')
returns 11,41
